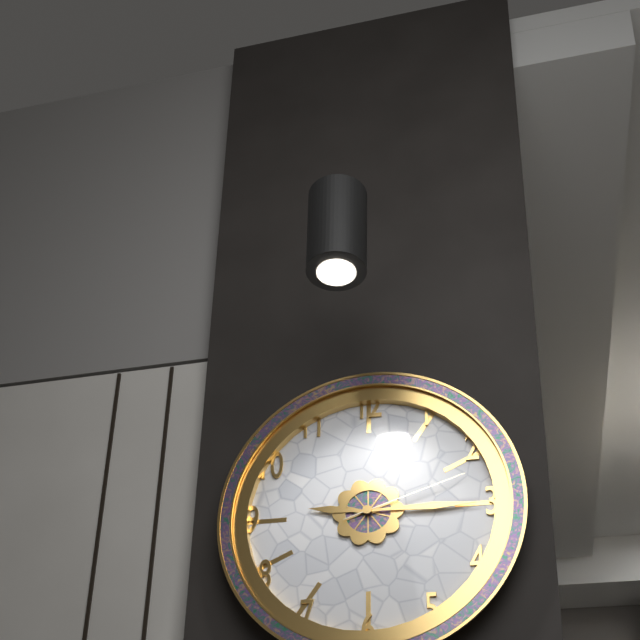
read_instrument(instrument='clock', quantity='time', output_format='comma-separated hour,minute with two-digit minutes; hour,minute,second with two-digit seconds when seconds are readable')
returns 9,15,12
